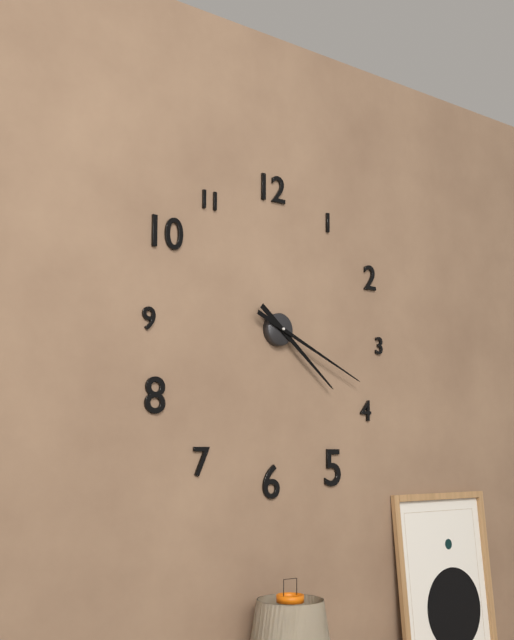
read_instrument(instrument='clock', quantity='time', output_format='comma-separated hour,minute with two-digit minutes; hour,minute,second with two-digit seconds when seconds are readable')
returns 4,19
